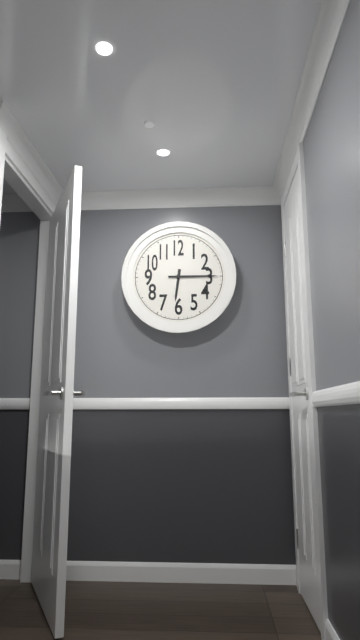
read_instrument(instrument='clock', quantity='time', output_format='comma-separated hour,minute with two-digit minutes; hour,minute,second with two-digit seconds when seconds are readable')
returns 6,15
